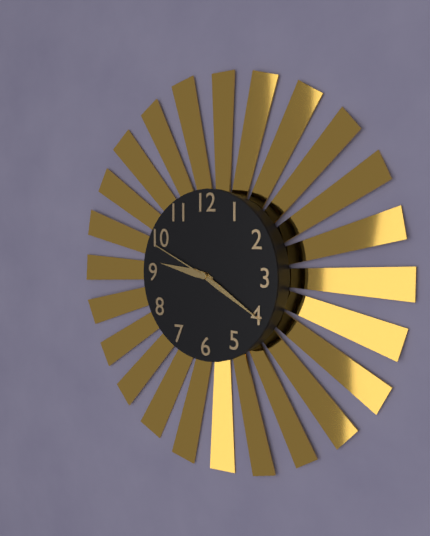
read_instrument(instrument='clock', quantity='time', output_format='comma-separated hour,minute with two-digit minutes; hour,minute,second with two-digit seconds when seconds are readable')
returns 9,20,49
